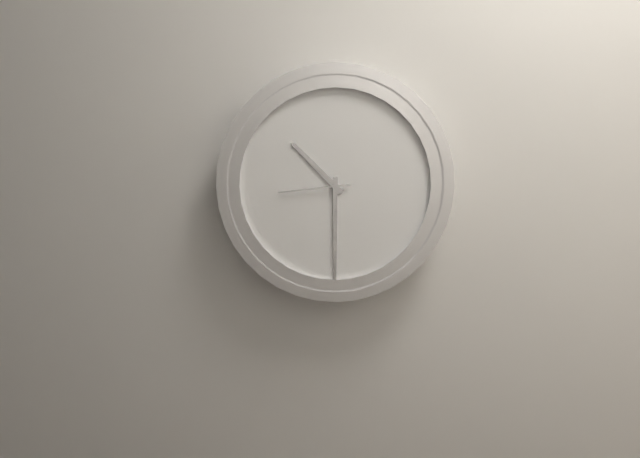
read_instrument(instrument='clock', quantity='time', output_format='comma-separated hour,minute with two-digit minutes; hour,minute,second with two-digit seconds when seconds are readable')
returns 10,30,44
